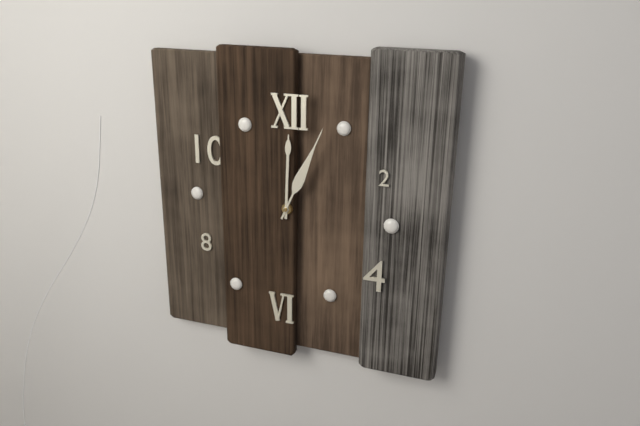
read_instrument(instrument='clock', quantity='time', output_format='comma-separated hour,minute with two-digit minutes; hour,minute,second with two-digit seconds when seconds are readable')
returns 12,04
